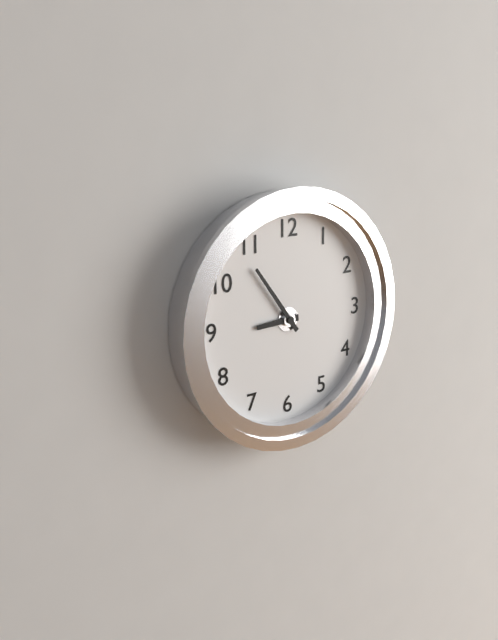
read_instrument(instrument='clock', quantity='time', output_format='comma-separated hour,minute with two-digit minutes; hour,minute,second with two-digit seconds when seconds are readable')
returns 8,54
